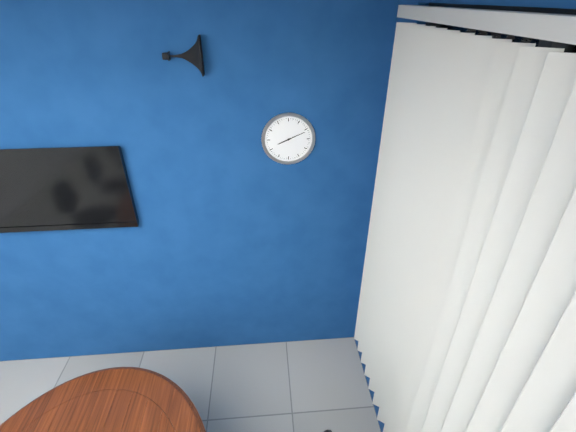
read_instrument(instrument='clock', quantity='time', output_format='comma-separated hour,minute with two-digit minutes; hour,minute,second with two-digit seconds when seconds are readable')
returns 8,11
